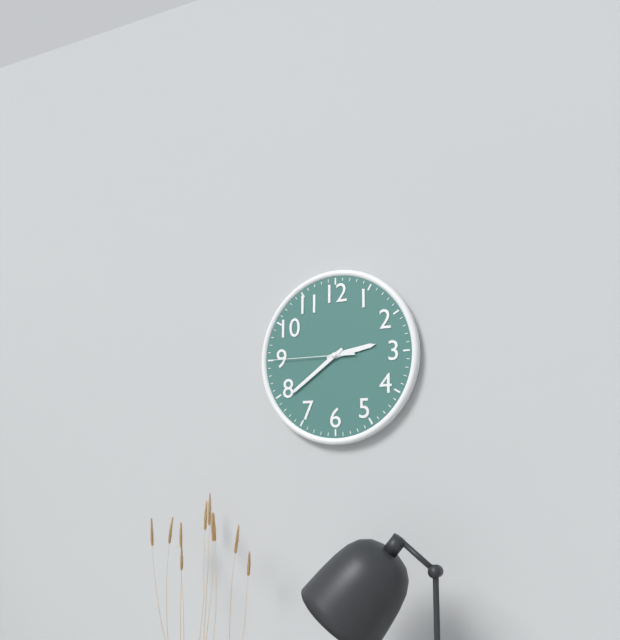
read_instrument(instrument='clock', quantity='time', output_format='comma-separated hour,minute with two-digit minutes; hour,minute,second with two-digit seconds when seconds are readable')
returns 2,39,45
